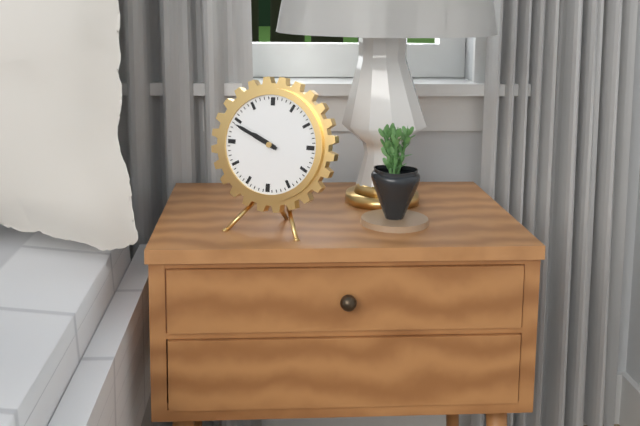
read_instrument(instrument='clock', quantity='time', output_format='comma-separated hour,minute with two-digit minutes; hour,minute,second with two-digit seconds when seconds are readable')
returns 9,49
